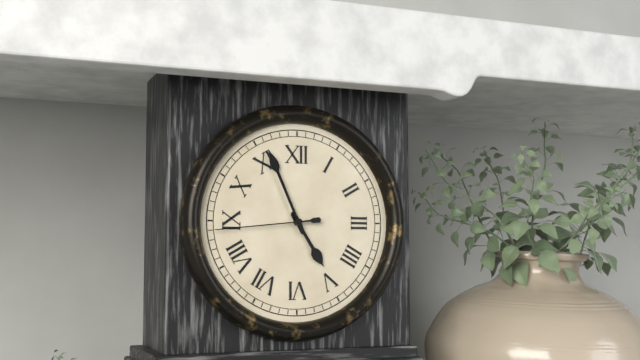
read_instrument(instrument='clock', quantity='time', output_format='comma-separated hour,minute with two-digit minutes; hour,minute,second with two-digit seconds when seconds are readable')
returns 4,56,44
